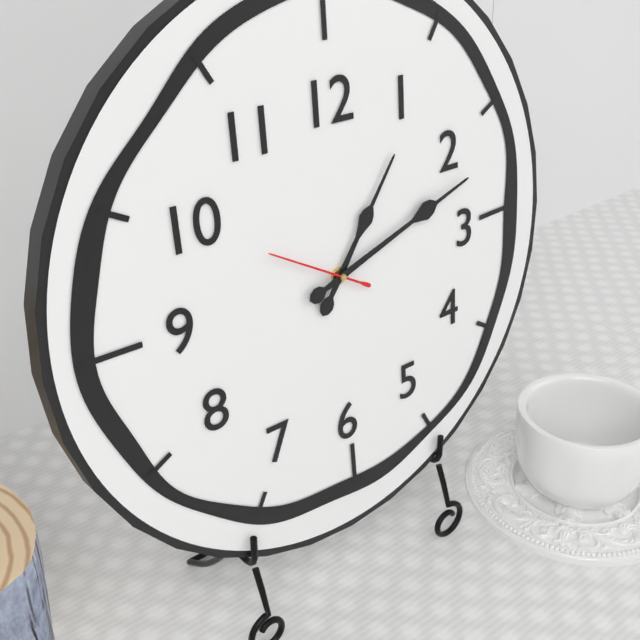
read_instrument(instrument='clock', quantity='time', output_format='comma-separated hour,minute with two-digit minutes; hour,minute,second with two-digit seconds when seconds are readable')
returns 1,12,50
